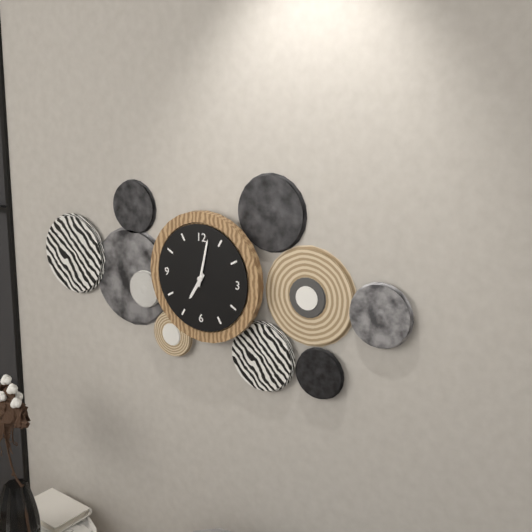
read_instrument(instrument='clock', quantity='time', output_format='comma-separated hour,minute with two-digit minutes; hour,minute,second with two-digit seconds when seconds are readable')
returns 7,02
